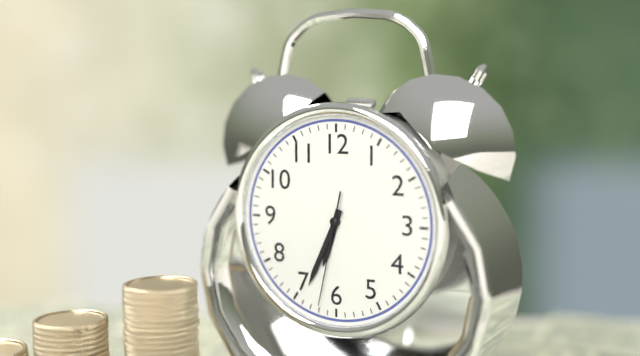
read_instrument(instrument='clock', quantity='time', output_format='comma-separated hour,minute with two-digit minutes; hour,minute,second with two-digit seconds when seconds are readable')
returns 6,34,32
